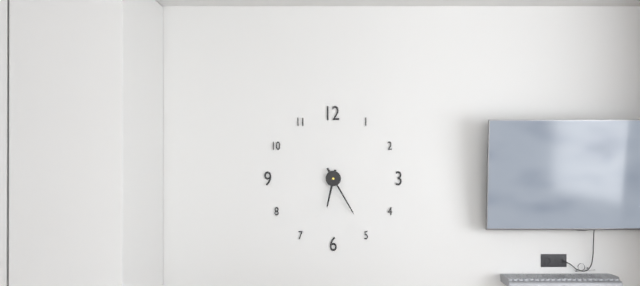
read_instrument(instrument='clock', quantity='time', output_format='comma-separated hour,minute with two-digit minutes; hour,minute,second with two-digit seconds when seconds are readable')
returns 6,25
